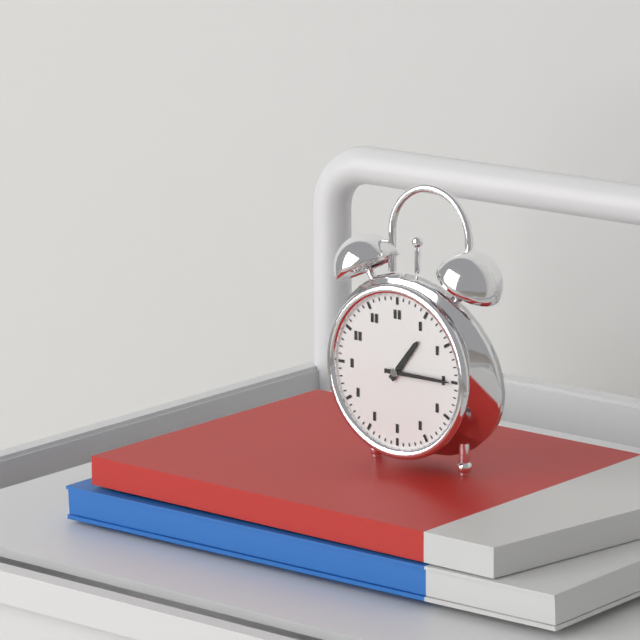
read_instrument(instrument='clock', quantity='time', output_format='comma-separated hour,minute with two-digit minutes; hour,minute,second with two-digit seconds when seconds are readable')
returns 1,15
